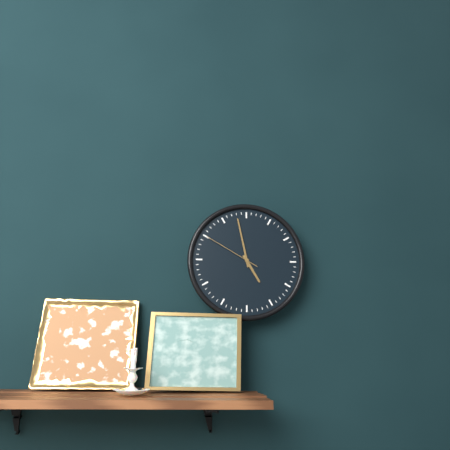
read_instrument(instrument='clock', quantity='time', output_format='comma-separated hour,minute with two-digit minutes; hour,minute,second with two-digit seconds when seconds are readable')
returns 4,58,50
